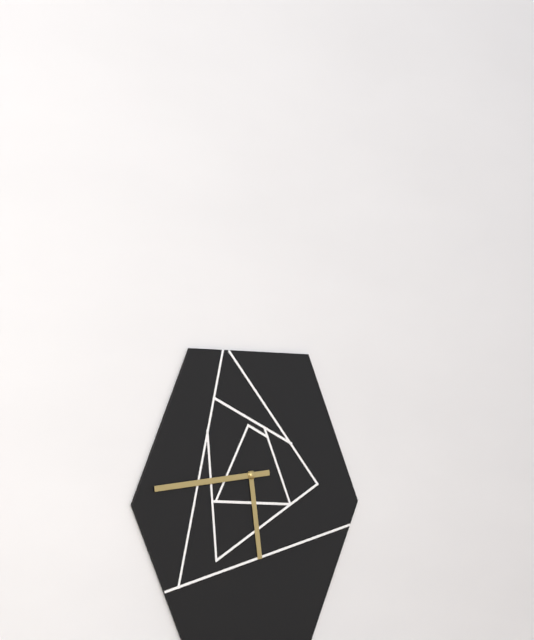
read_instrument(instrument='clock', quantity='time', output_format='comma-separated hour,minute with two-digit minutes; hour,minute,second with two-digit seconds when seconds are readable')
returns 5,44
